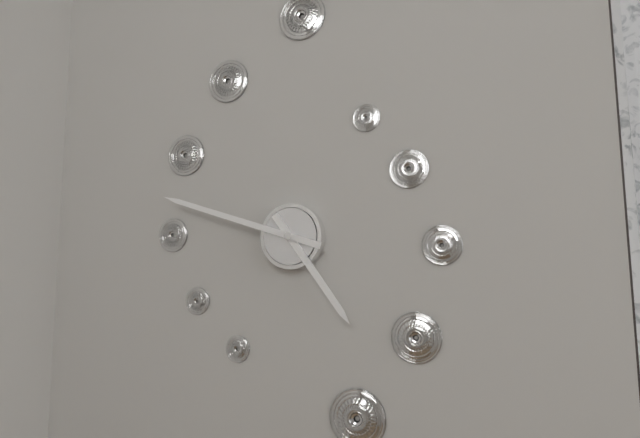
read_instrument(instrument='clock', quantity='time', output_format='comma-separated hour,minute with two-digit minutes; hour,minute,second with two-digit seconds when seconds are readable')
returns 4,48
